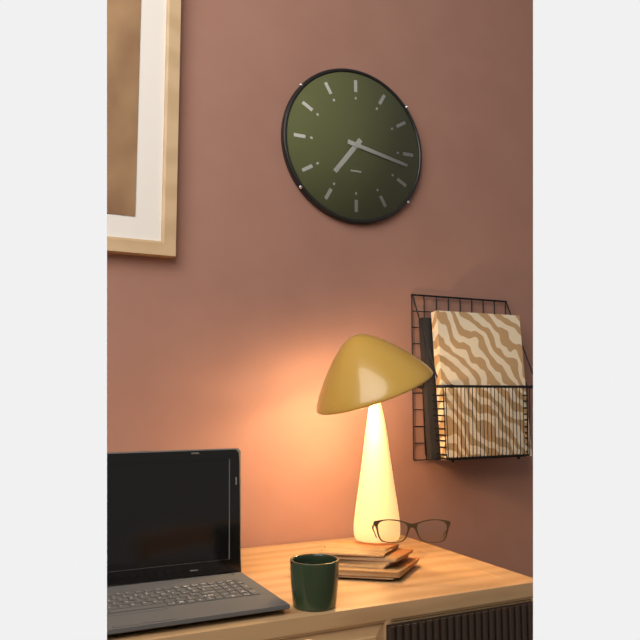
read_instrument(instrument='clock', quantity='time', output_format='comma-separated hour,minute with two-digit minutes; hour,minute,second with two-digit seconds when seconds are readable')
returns 7,17
